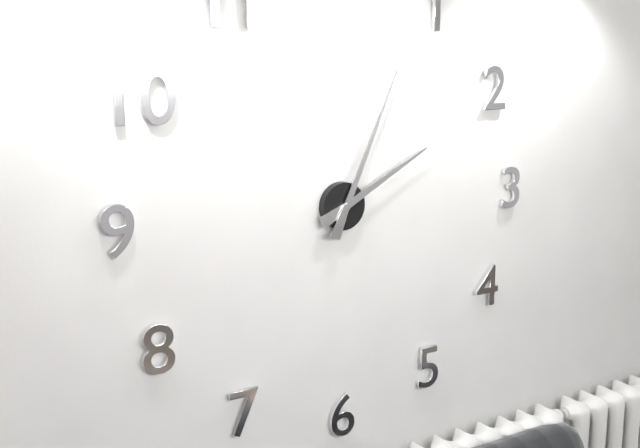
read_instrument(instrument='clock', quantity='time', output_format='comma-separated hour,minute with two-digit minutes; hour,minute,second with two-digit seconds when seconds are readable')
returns 2,04
